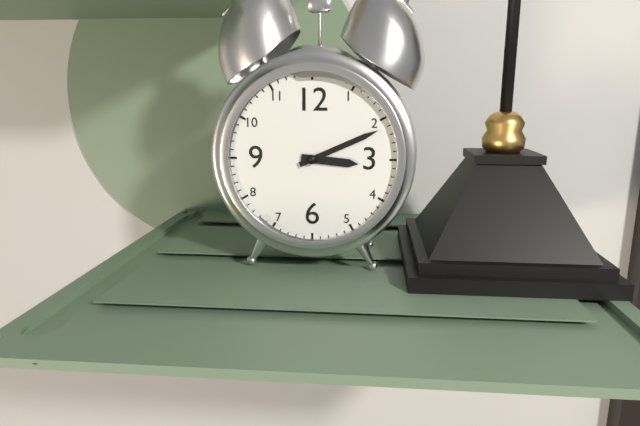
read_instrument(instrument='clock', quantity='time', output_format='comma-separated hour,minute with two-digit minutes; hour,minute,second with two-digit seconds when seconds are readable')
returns 3,11
